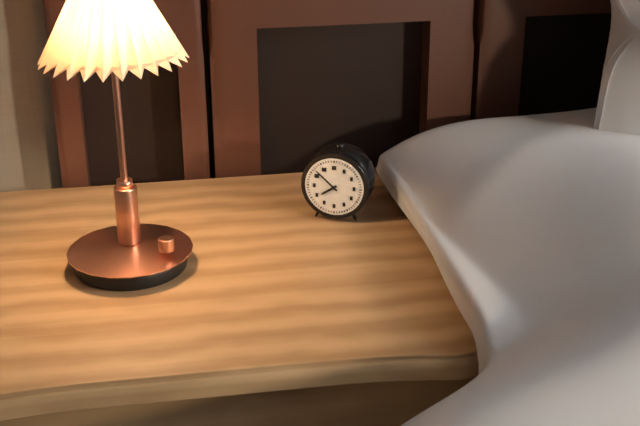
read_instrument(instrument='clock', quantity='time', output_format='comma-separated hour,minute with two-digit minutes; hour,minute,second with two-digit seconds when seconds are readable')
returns 7,52
